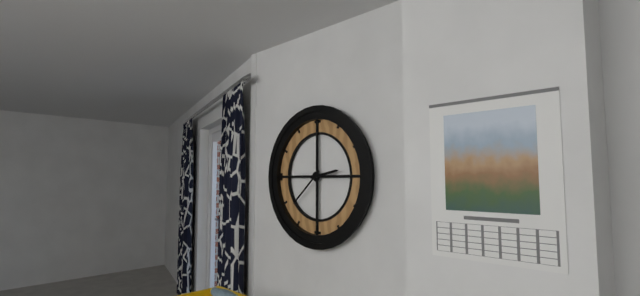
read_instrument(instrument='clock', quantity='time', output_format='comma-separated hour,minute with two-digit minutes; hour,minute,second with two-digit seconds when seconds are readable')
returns 2,38
